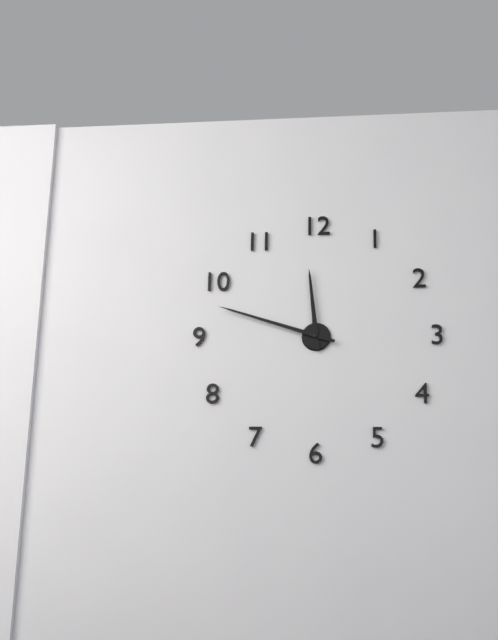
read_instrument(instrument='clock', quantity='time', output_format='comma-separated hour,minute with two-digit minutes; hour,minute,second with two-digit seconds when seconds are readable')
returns 11,48
